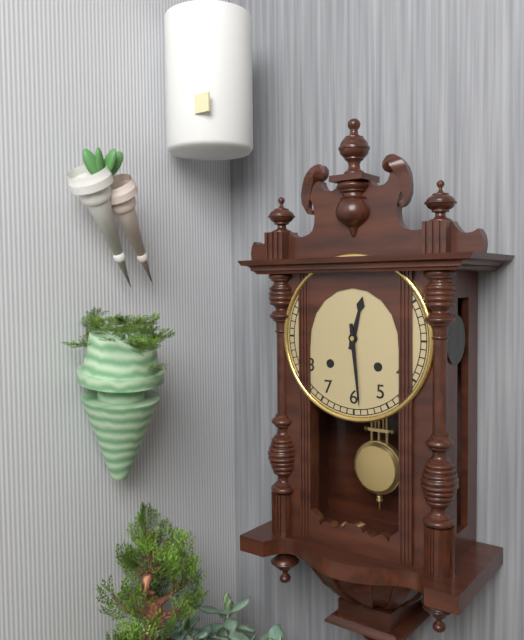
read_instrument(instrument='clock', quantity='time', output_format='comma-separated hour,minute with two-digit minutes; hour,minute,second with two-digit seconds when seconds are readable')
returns 12,29
